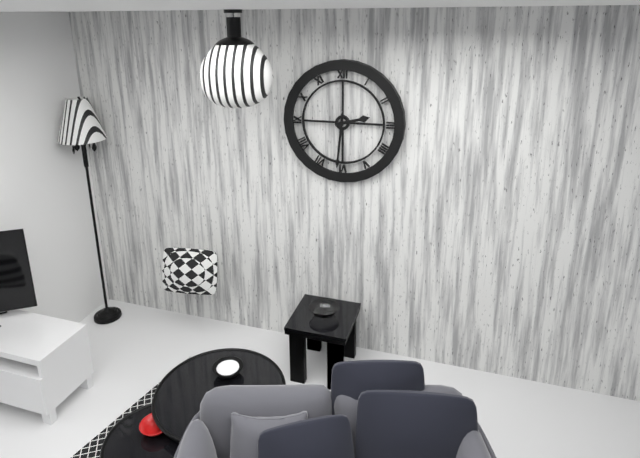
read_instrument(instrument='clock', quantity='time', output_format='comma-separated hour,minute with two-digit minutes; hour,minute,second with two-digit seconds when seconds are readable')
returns 2,31
